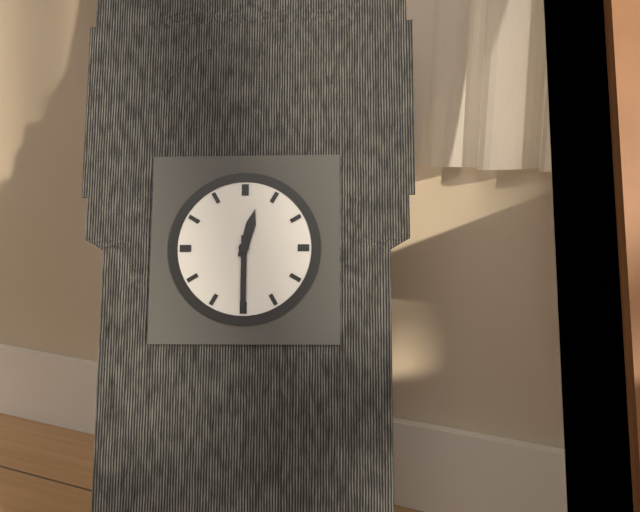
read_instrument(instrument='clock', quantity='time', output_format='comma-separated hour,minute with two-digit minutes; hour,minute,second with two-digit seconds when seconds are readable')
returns 12,30
